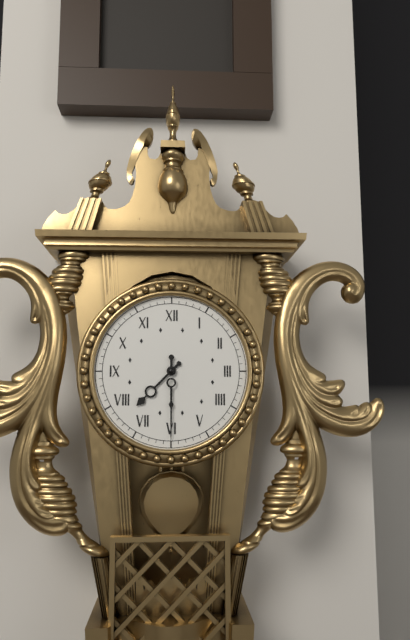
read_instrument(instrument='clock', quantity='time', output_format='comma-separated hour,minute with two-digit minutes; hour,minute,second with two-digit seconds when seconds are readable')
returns 7,30
